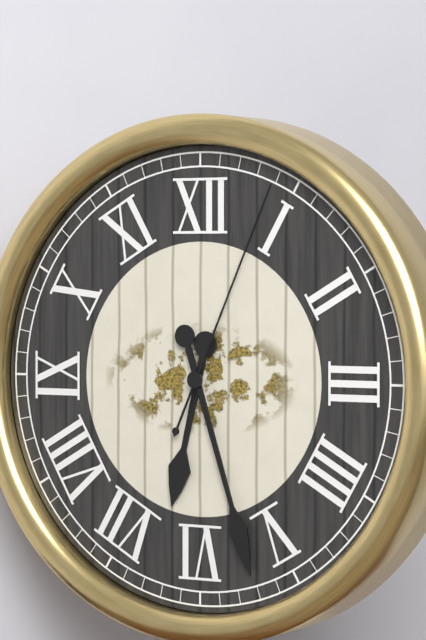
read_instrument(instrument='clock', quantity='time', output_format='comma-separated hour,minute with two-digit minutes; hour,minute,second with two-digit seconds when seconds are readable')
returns 6,27,04
